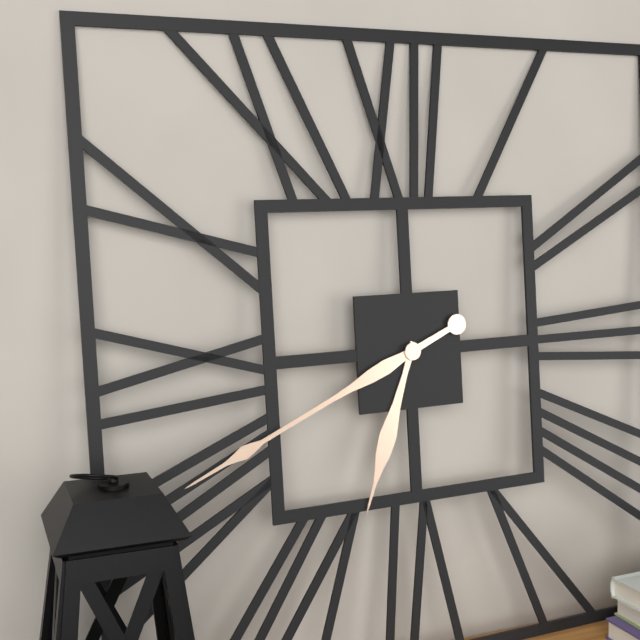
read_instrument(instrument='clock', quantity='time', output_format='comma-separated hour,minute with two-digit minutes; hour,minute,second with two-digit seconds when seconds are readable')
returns 6,41
